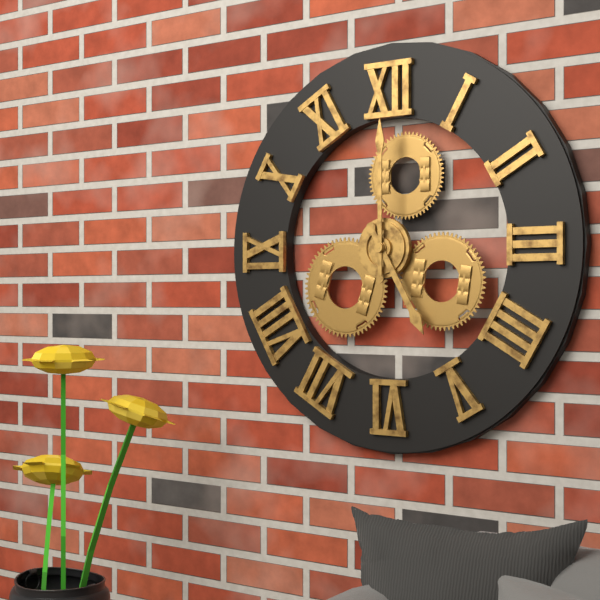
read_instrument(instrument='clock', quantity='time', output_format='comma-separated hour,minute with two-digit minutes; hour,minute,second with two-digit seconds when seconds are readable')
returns 5,00
